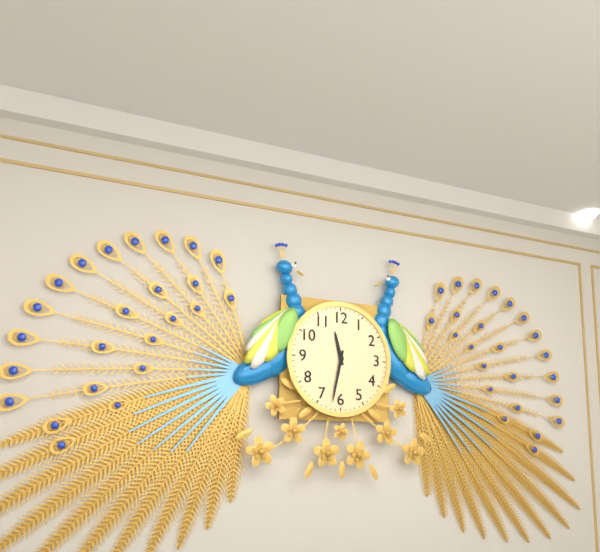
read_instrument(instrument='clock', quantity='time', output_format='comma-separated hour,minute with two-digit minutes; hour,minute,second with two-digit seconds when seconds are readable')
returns 11,32
